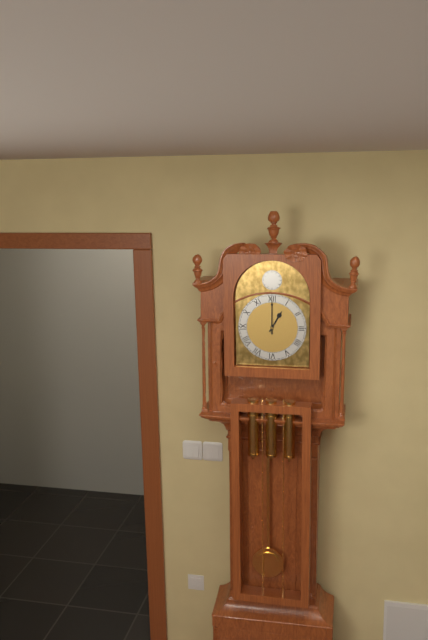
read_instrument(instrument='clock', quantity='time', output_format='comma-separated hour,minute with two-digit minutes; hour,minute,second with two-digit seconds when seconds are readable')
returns 1,00
